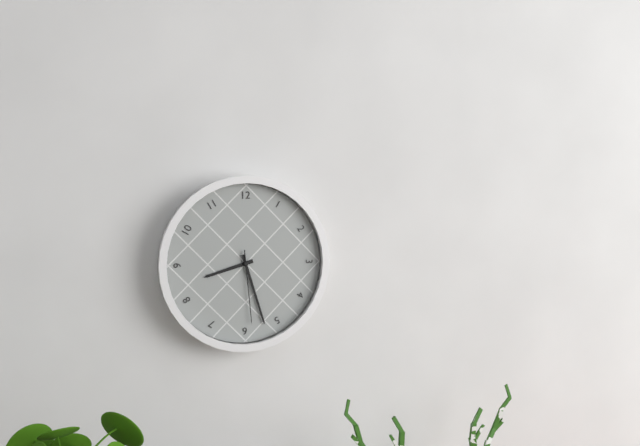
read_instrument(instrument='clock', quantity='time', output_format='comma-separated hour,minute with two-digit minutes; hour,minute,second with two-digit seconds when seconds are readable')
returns 8,27,29
